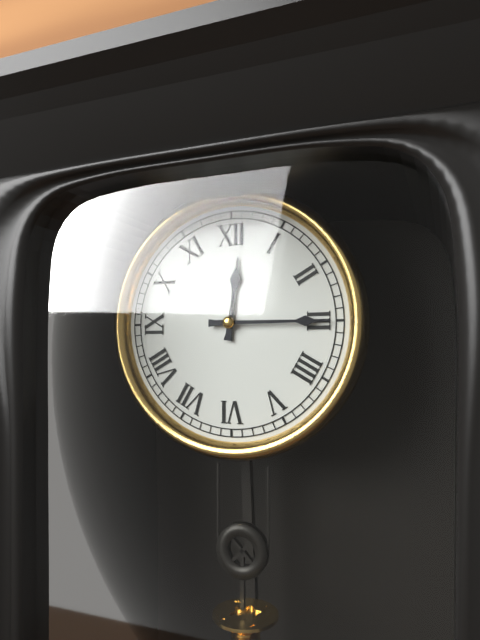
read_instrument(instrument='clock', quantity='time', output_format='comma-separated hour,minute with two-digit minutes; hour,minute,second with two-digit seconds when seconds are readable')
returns 12,15
